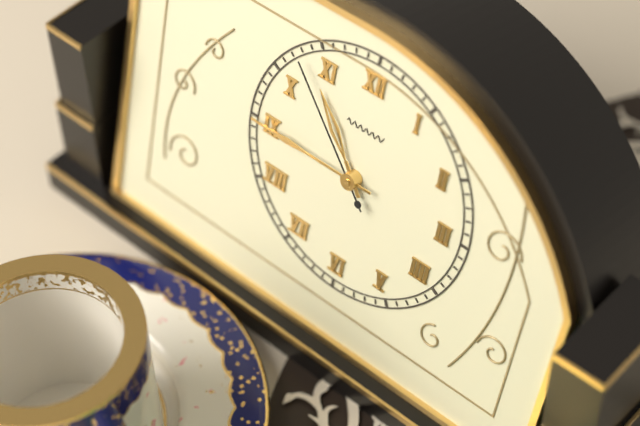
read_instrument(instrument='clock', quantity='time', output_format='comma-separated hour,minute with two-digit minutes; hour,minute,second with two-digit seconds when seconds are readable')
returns 10,45,53
